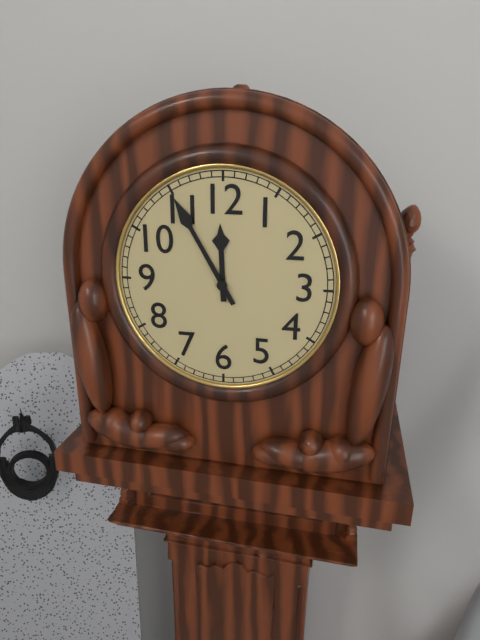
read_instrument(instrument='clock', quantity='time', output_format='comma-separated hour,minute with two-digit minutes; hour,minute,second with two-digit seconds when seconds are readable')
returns 11,55
